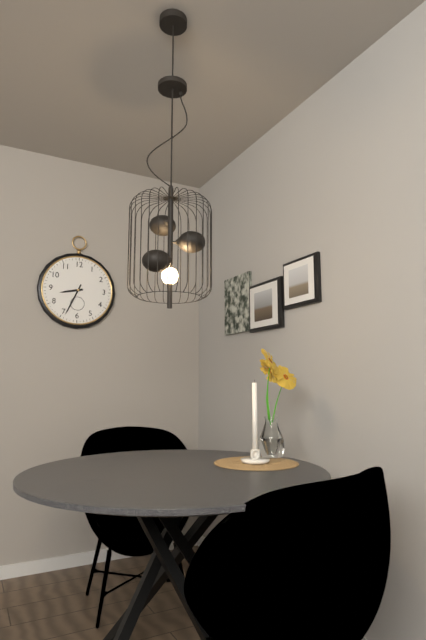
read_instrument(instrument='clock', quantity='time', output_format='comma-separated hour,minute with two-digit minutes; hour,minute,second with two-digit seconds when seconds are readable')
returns 8,34
